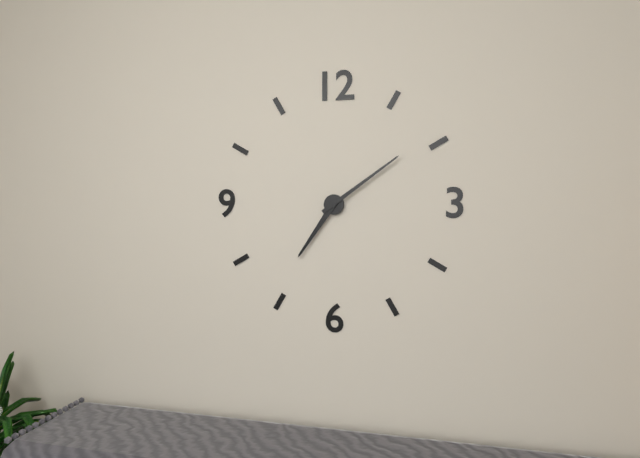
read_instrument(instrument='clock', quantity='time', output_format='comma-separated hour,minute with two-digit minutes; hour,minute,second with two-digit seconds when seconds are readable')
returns 7,09
